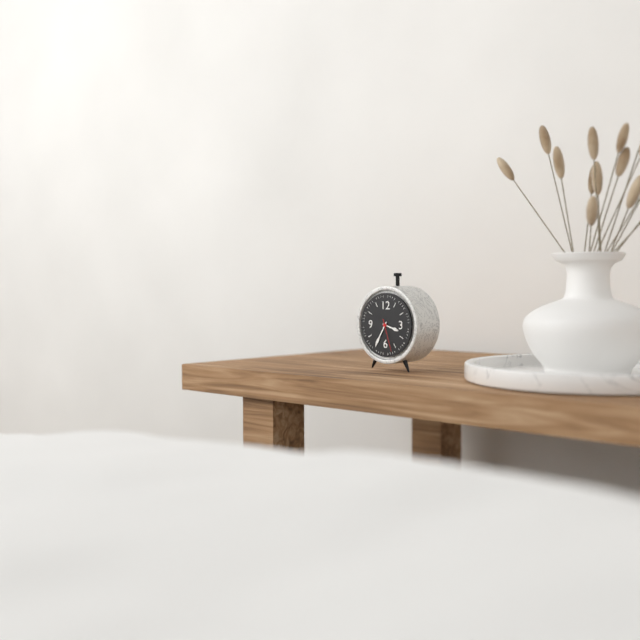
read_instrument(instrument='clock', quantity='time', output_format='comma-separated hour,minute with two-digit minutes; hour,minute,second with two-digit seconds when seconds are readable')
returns 3,35
